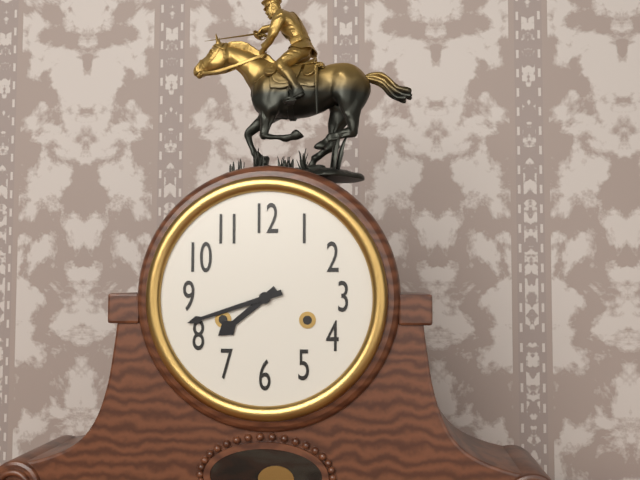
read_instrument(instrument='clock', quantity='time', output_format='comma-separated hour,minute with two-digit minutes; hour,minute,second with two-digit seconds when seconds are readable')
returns 7,42
